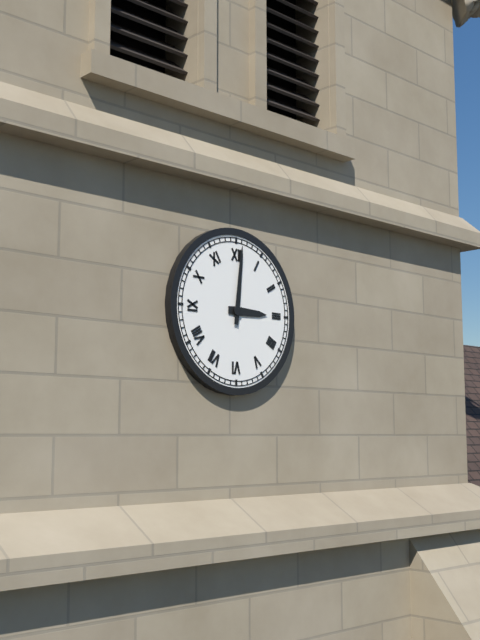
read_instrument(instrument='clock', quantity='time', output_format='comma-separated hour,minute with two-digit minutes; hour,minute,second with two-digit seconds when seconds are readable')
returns 3,01
